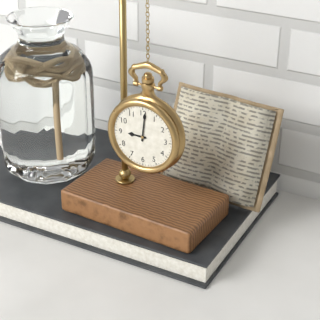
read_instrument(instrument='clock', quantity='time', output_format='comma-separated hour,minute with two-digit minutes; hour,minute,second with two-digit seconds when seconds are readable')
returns 9,01
